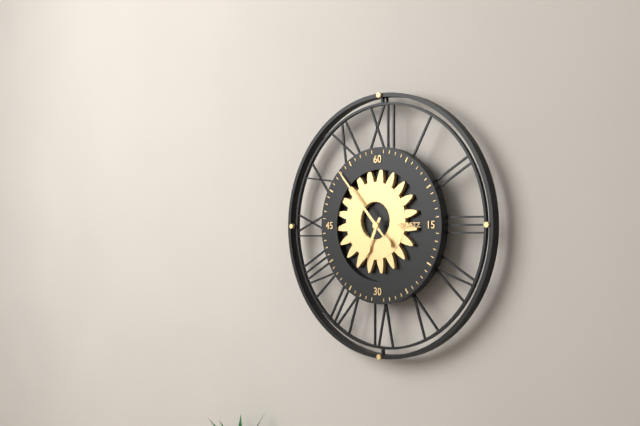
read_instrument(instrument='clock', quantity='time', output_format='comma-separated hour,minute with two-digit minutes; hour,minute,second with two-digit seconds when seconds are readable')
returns 6,53
